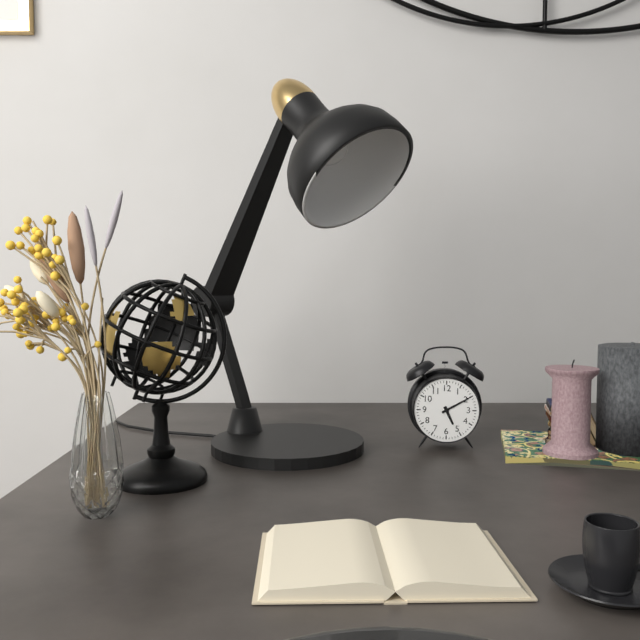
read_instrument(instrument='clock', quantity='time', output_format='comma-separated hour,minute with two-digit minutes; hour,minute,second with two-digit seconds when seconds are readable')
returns 5,10
